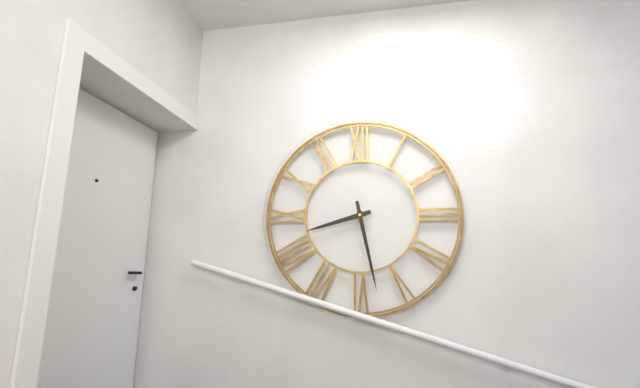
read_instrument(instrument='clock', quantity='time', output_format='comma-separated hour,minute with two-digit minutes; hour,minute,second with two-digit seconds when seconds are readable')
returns 8,28
